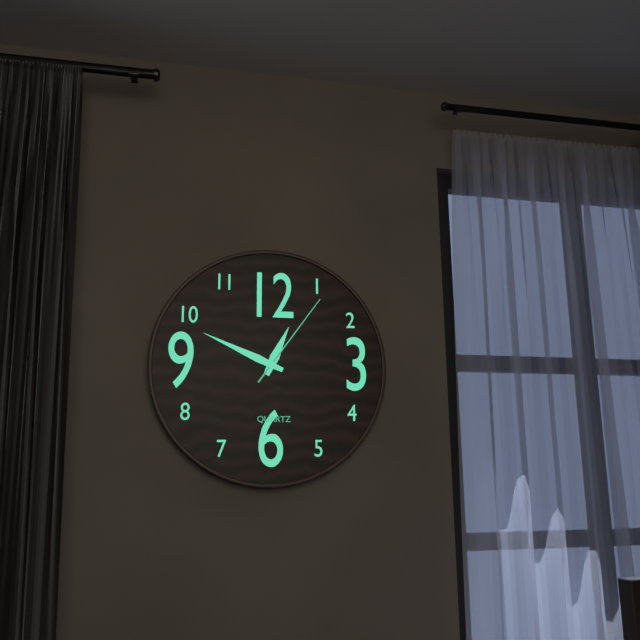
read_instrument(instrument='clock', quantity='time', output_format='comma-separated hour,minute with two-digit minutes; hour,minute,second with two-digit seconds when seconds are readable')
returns 12,49,06
